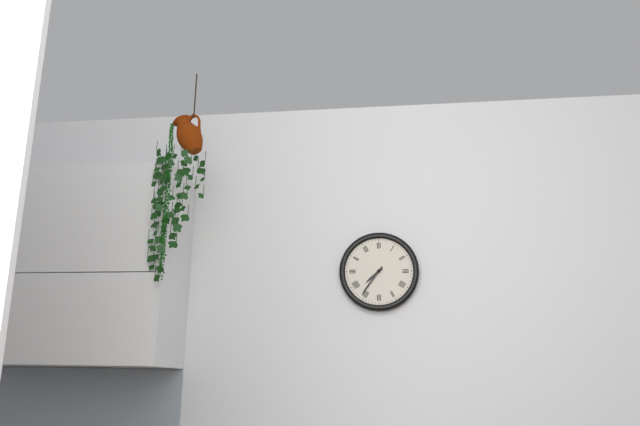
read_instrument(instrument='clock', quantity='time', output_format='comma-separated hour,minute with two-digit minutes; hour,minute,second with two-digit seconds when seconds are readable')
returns 7,36
